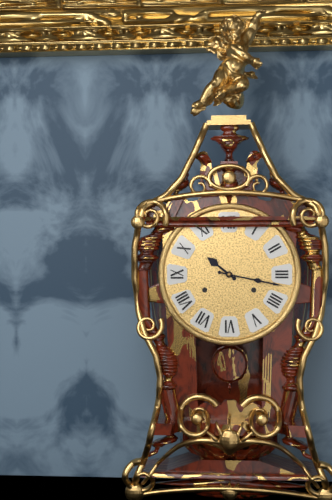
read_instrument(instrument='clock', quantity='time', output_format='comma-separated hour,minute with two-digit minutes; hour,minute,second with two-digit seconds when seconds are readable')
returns 10,17
